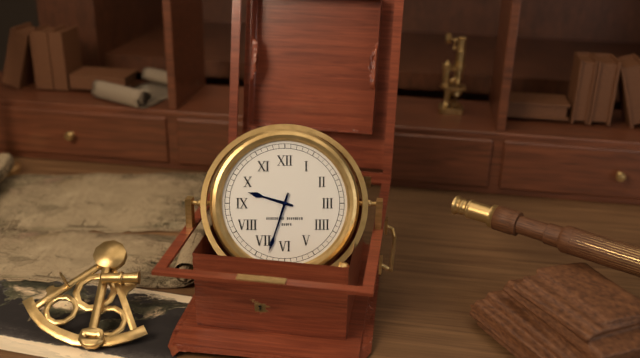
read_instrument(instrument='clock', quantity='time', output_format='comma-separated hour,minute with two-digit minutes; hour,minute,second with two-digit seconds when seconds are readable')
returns 9,33
